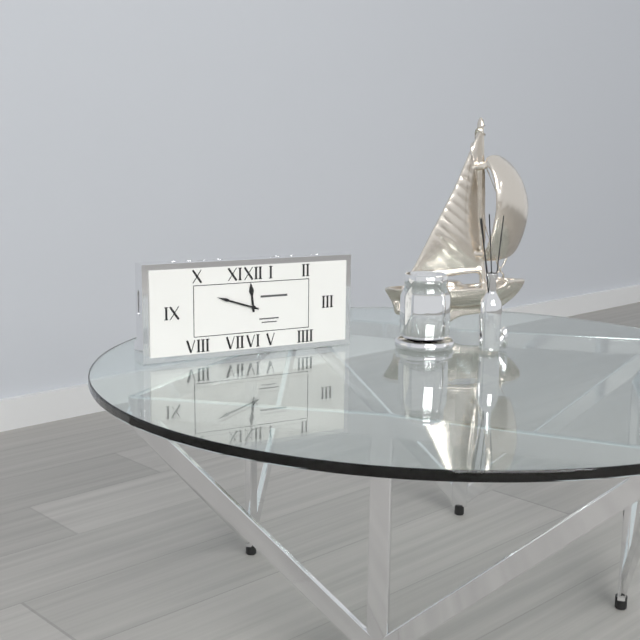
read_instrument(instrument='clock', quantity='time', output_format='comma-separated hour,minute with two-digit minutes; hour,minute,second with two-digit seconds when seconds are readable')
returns 11,48
